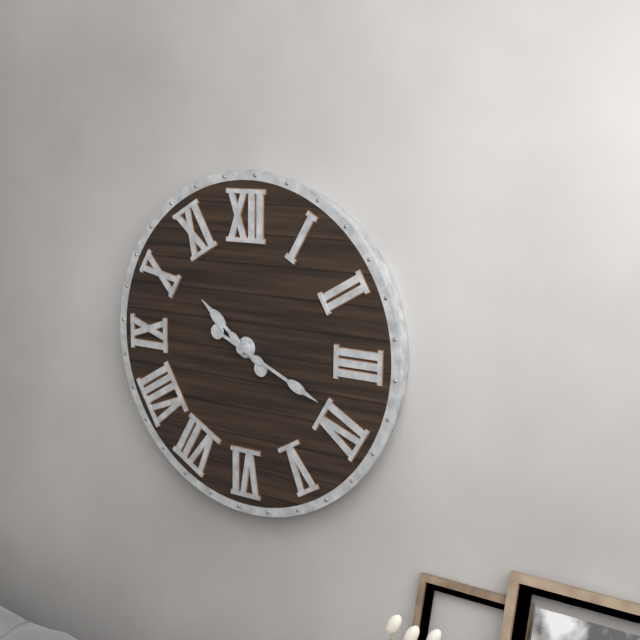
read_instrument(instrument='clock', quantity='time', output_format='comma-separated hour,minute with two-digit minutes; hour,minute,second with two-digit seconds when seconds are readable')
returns 10,19
